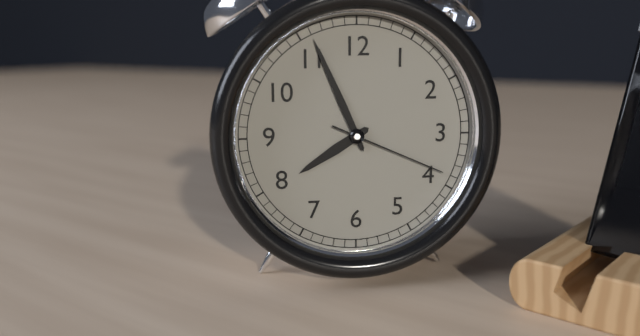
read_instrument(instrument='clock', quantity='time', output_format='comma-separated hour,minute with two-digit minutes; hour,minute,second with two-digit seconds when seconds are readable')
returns 7,56,19
